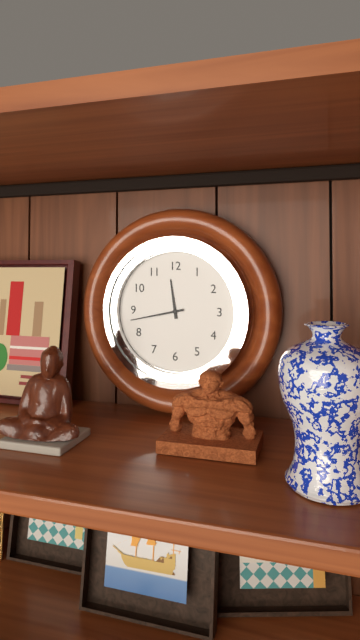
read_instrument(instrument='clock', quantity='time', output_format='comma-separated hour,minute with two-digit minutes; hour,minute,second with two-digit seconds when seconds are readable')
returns 11,43
